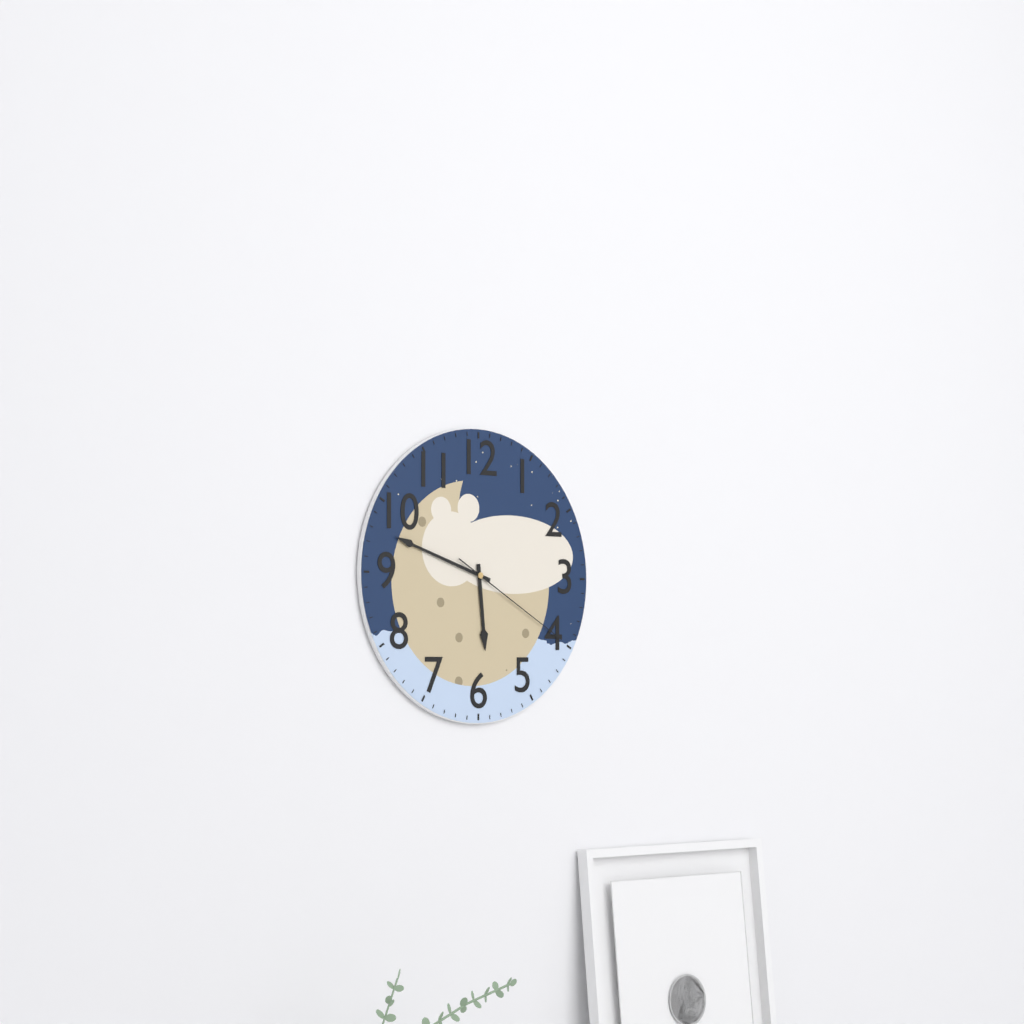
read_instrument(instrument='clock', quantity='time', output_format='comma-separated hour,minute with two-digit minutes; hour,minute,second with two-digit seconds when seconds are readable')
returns 5,48,20
